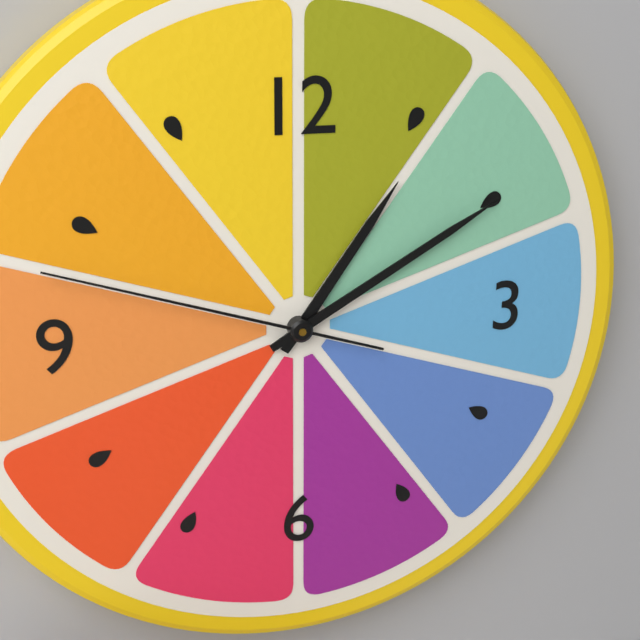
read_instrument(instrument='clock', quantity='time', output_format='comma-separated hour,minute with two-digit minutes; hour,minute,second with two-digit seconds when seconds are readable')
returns 1,10,48
